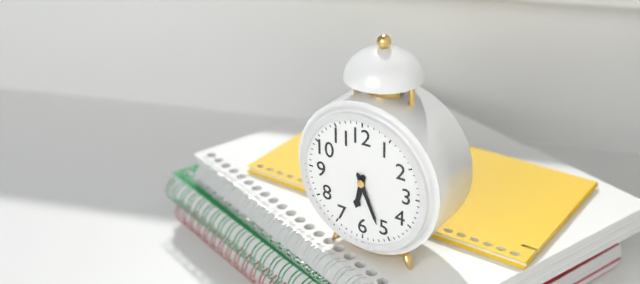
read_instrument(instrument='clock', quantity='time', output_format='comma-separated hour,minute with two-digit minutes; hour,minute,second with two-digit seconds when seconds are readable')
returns 6,26
